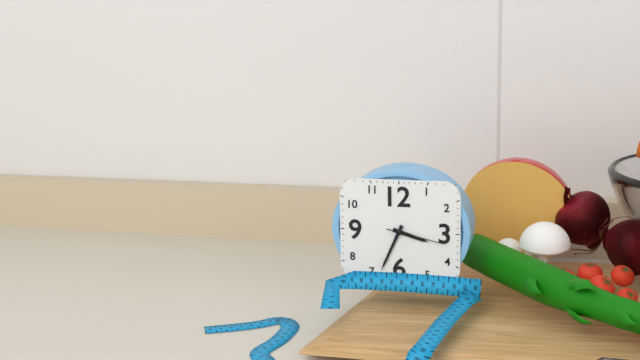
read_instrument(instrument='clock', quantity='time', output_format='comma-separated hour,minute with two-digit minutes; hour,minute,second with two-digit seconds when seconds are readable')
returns 3,34,17
